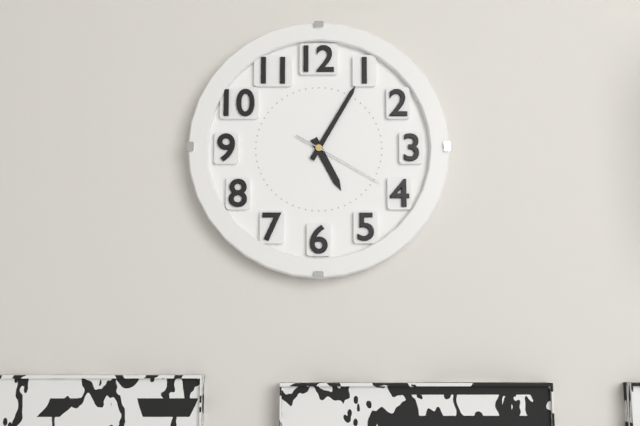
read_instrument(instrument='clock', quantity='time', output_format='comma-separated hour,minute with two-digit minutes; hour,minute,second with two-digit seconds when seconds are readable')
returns 5,05,20
